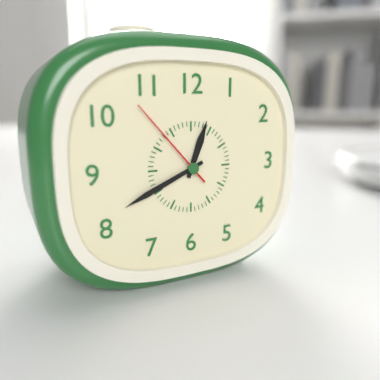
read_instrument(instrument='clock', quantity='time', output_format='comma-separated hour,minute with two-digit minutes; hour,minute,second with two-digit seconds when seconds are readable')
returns 12,41,53
